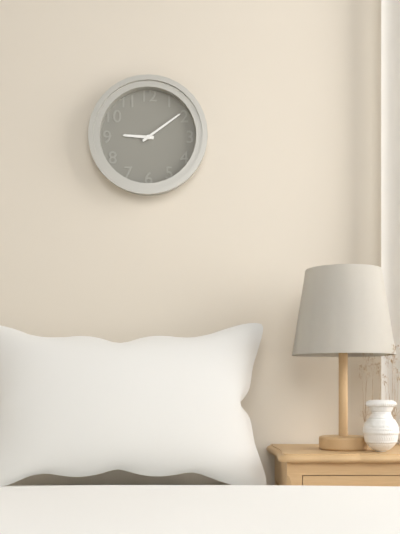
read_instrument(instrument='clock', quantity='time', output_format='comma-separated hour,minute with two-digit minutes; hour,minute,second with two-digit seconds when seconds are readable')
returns 9,09
